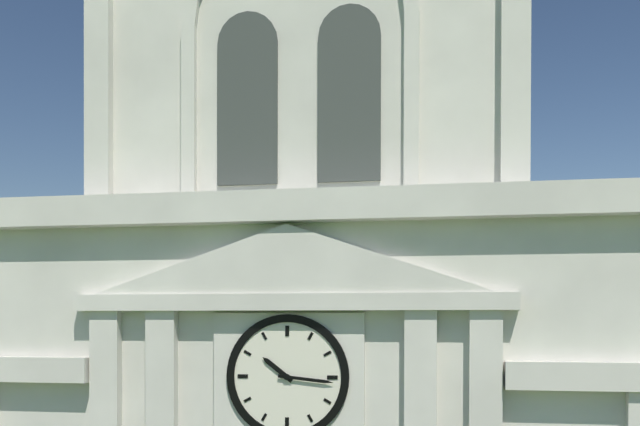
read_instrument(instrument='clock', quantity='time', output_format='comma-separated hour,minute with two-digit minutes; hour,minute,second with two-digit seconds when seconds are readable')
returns 10,16
